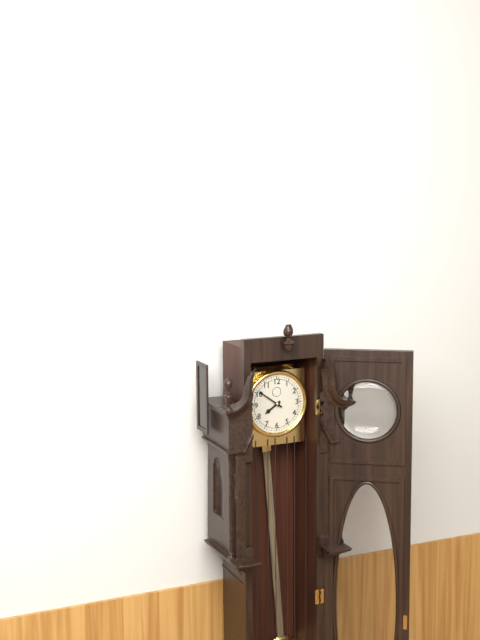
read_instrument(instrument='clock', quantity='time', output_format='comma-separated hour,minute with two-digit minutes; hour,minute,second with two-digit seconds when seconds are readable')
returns 7,51
